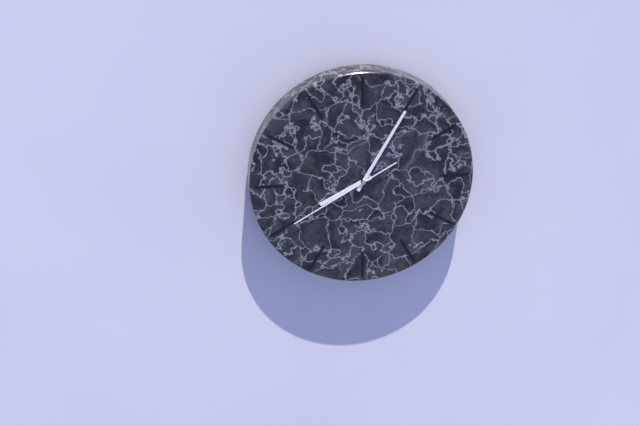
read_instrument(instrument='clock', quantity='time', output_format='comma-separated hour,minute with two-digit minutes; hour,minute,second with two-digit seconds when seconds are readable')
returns 8,05,40
